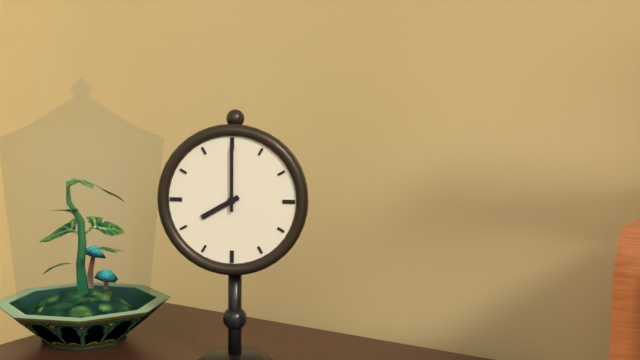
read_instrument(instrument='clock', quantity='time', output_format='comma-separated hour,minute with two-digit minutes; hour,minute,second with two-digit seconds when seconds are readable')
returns 8,00
